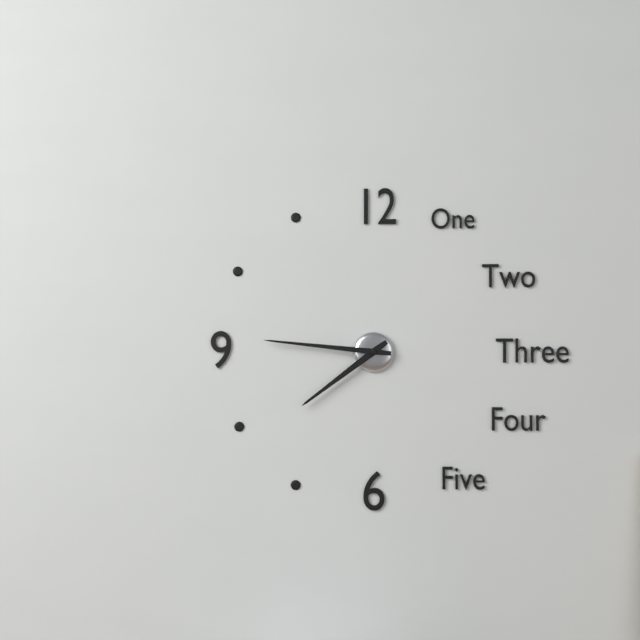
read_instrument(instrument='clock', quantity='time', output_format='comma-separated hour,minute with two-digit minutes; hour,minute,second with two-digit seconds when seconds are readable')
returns 7,46
